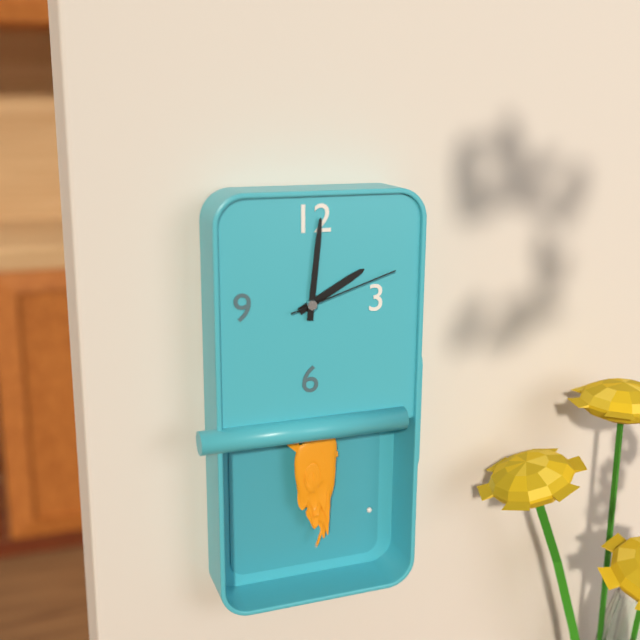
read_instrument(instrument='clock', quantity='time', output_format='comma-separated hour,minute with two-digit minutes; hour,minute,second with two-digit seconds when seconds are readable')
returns 2,01,12
